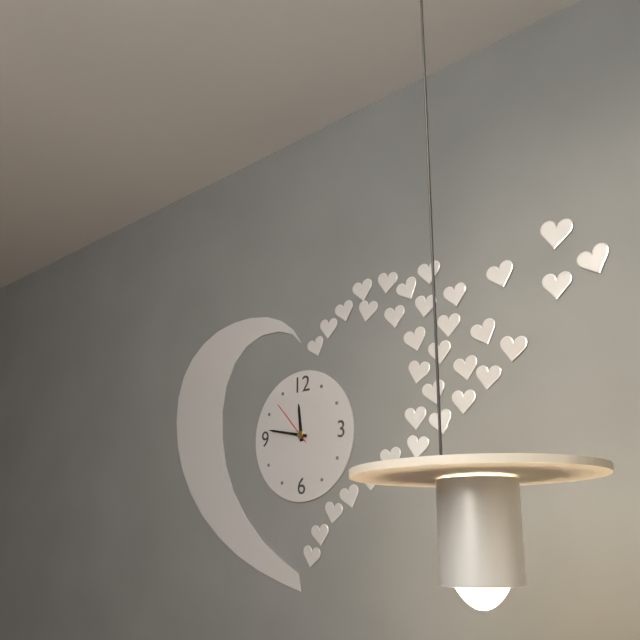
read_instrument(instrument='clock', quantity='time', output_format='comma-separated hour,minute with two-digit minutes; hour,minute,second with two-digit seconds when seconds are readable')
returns 11,47,53
